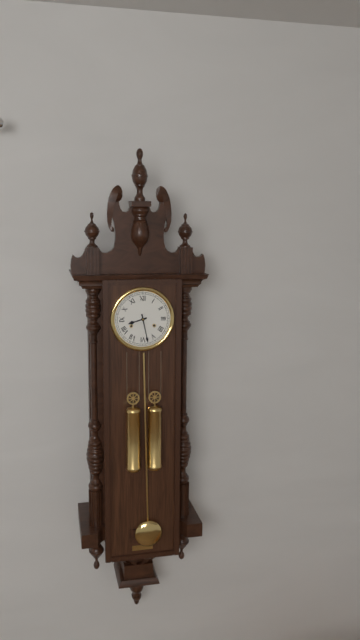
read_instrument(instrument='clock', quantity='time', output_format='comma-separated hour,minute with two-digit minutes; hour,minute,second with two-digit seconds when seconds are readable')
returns 8,28
